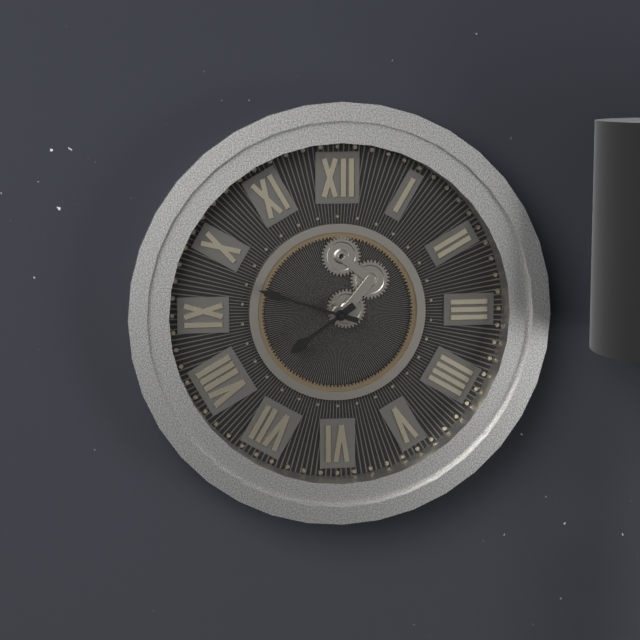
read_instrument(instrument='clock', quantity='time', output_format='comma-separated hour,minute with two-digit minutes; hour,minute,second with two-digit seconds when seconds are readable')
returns 7,48
